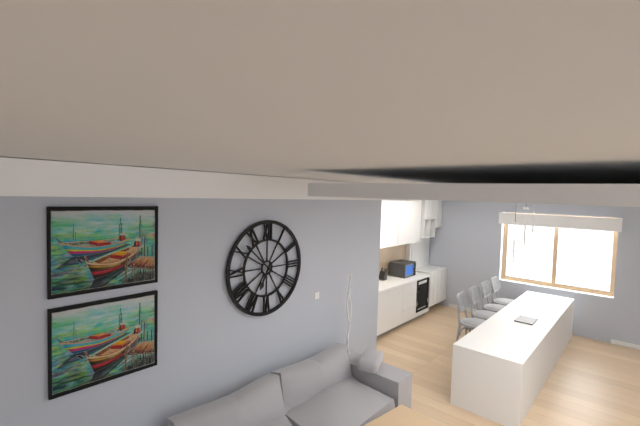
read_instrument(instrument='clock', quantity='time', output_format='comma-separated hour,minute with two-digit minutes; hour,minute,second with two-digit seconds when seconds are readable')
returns 6,52
